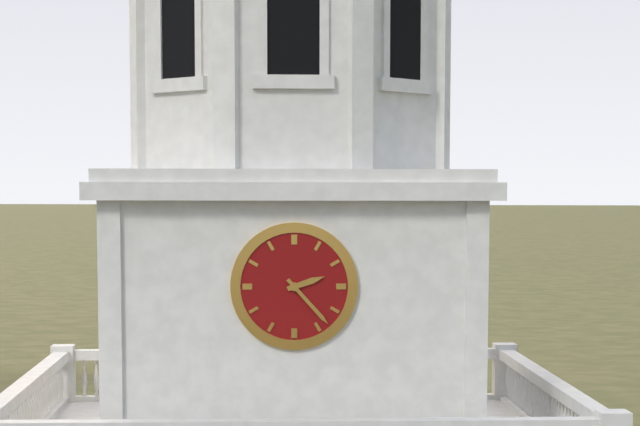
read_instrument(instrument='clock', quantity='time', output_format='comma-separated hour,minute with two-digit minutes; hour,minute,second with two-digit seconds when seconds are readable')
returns 2,23
